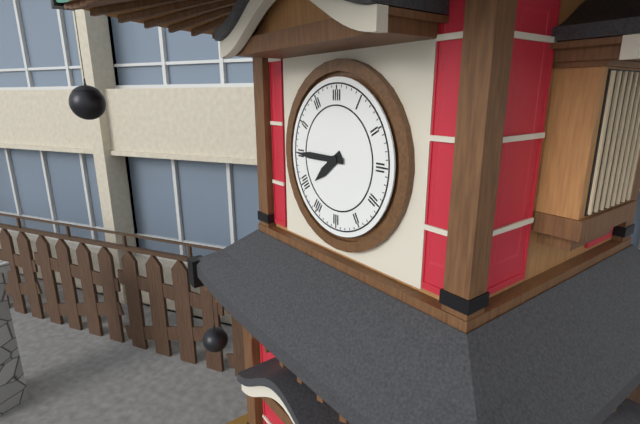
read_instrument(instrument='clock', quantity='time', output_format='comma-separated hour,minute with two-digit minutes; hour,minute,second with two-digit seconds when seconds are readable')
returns 7,45
